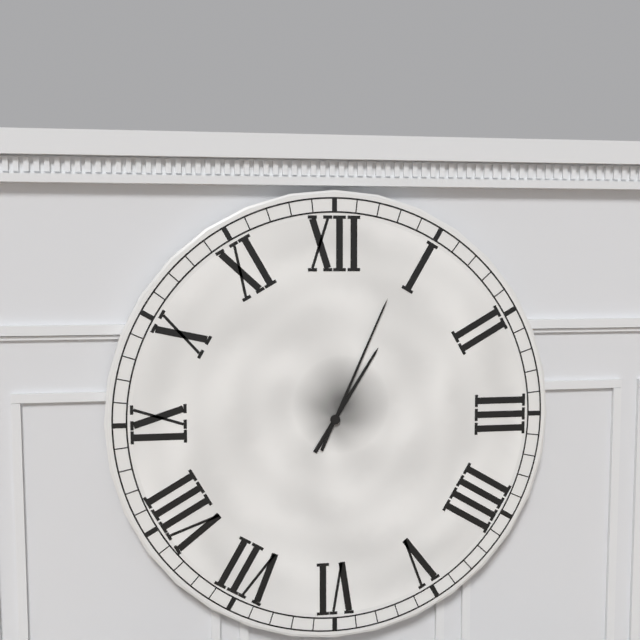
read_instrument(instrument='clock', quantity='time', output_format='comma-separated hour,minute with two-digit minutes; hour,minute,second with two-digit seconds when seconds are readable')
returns 1,04
